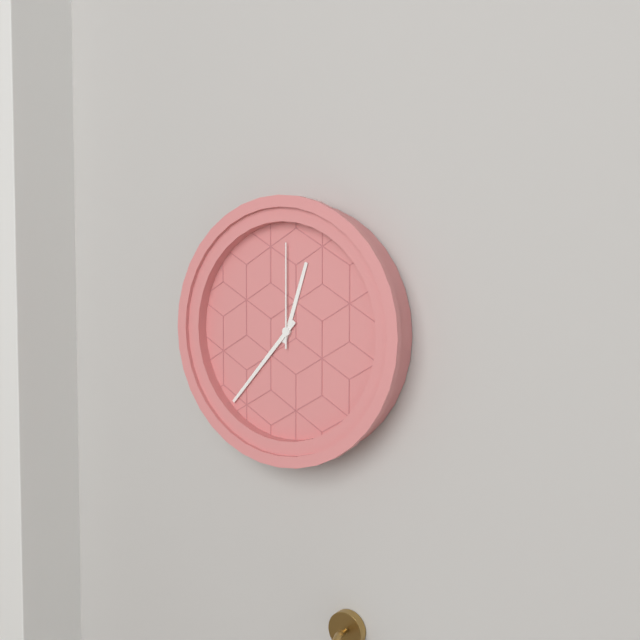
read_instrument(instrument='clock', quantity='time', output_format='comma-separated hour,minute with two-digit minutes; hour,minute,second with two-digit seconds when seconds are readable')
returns 12,37,00
